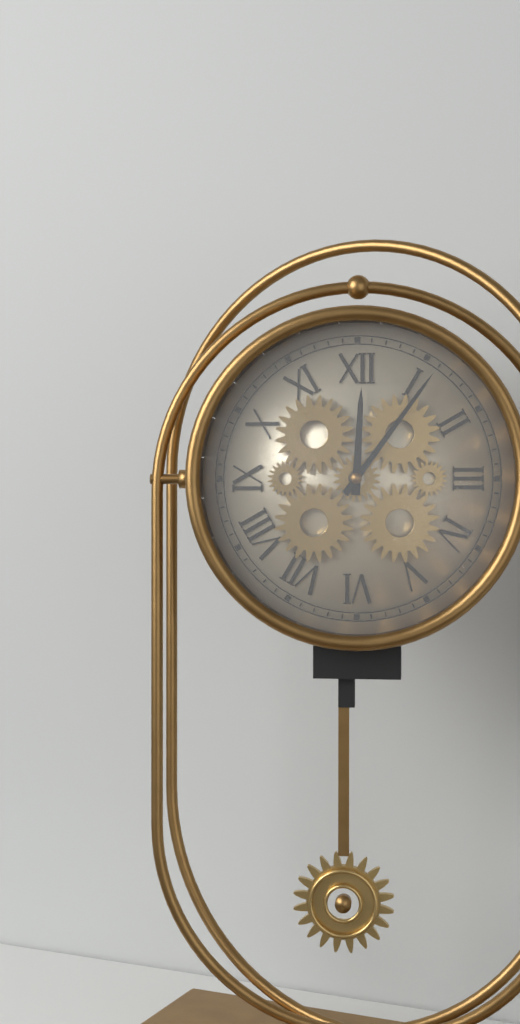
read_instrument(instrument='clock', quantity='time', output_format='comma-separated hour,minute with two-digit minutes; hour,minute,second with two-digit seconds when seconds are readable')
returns 12,06
